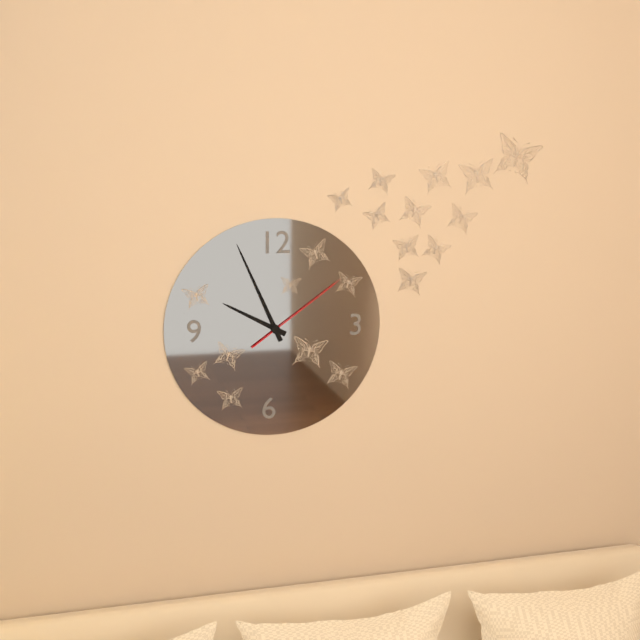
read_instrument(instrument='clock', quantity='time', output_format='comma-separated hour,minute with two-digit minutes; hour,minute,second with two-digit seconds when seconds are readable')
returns 9,56,09
